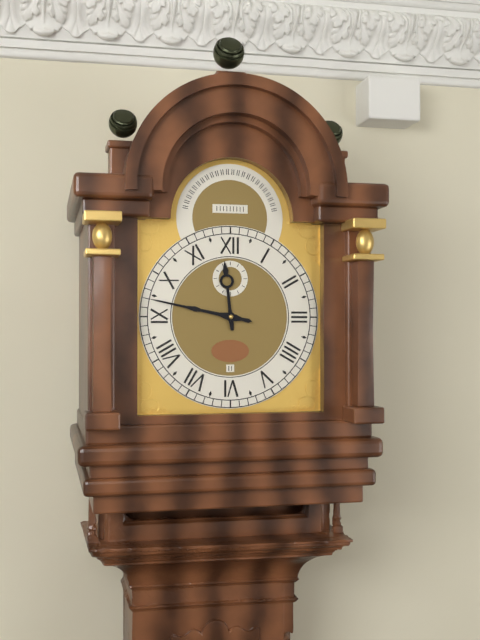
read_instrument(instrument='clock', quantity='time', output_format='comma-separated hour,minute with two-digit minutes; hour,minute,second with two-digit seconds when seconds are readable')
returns 11,47
